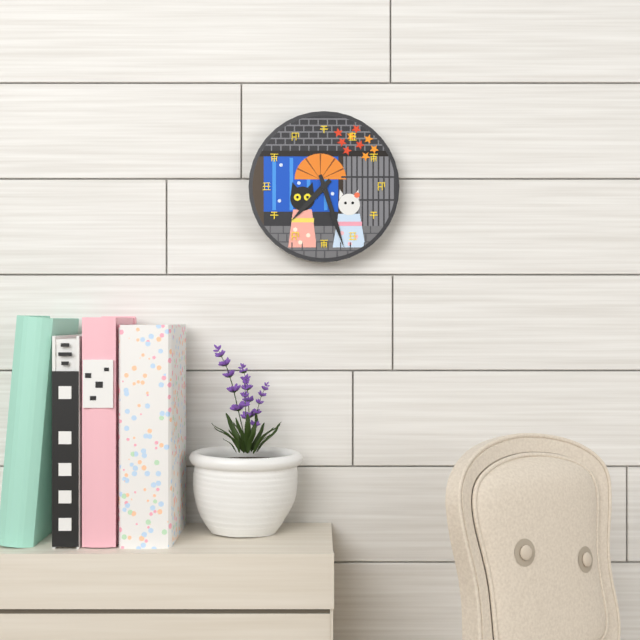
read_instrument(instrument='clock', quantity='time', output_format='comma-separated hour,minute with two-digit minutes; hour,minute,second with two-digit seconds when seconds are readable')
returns 7,27
